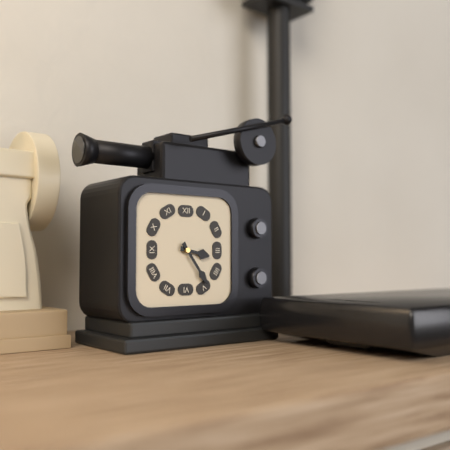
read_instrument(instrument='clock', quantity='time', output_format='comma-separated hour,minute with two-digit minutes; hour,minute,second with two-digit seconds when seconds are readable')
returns 3,24
